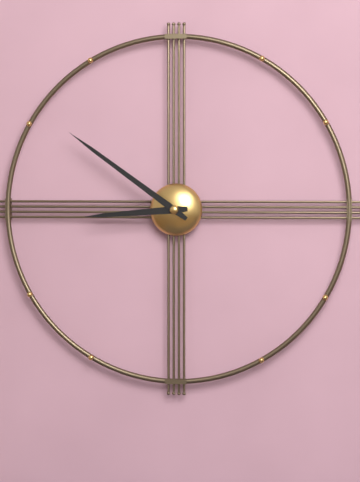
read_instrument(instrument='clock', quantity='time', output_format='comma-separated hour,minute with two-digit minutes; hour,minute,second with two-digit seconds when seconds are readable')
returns 8,51
